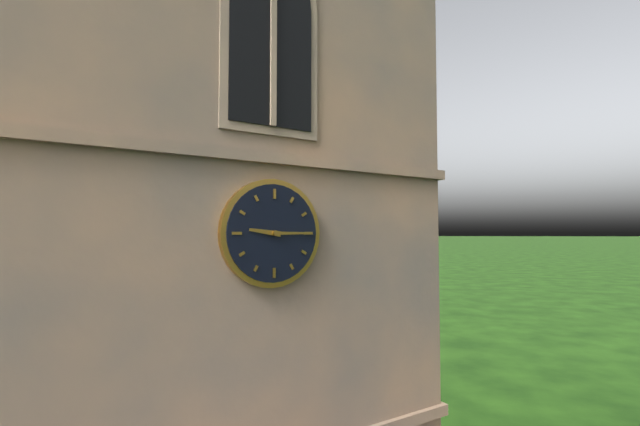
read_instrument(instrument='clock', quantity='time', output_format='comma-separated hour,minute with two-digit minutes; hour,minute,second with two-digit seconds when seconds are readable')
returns 9,15
